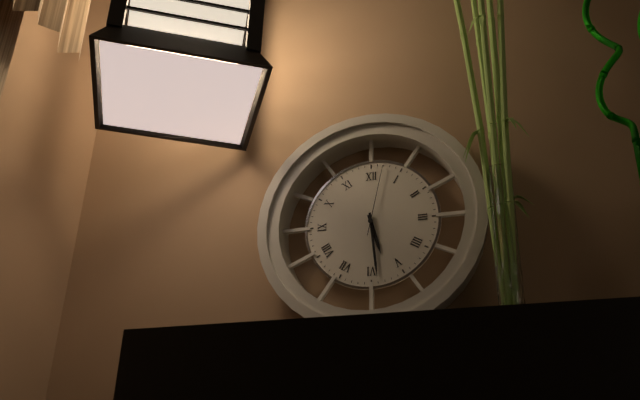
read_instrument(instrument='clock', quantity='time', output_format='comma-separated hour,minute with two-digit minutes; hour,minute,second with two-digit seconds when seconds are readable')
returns 5,29,02
